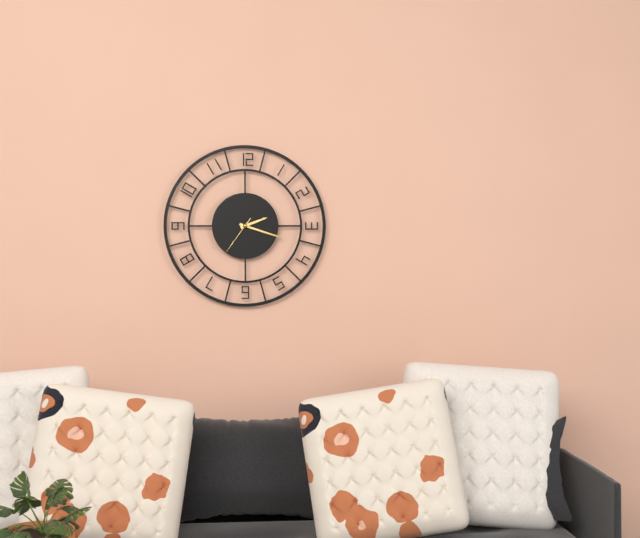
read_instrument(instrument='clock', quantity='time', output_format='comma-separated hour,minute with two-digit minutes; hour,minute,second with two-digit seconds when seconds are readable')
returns 2,18
